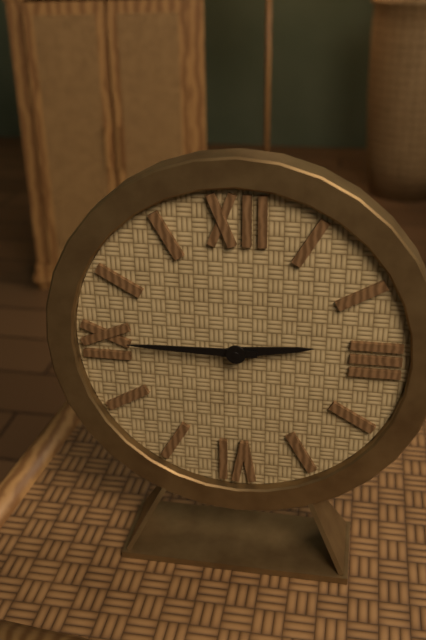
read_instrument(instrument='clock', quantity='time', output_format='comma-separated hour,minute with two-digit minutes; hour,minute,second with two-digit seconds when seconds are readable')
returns 2,45
